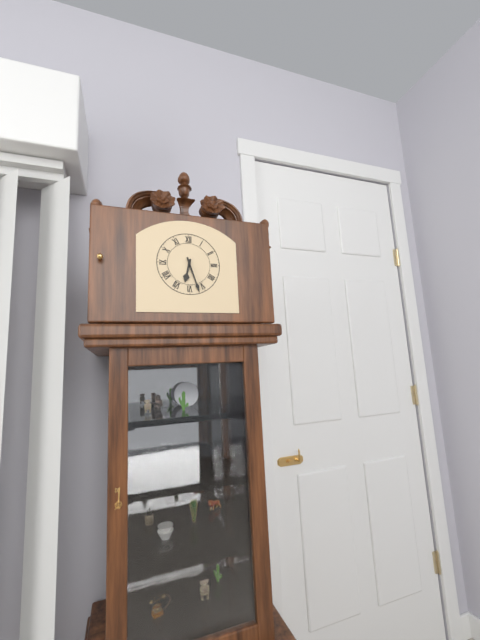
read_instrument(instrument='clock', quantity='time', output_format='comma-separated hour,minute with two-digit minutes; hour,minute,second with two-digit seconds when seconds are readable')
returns 6,27
